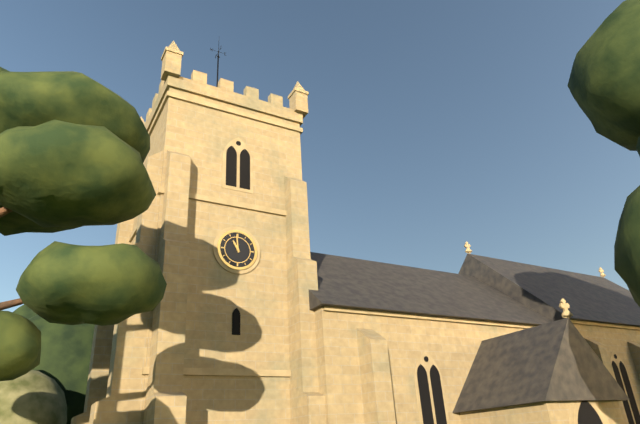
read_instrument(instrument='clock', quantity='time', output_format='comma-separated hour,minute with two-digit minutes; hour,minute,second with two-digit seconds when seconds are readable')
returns 10,59
